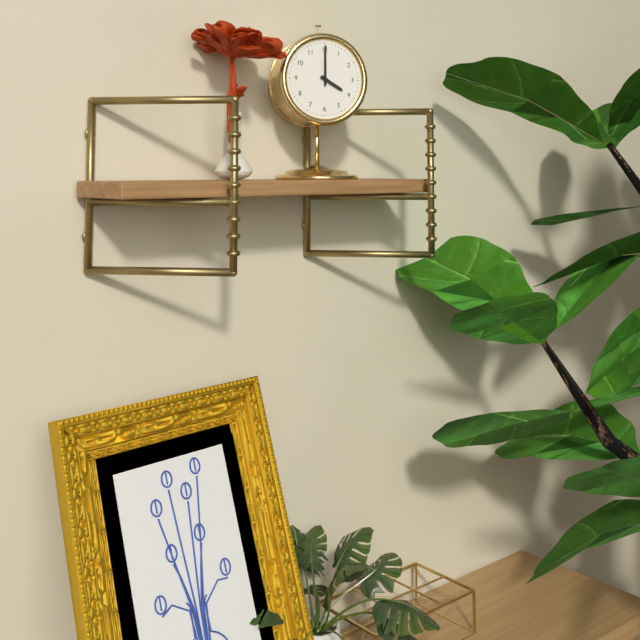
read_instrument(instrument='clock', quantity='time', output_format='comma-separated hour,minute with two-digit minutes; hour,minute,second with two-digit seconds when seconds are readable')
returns 4,00
